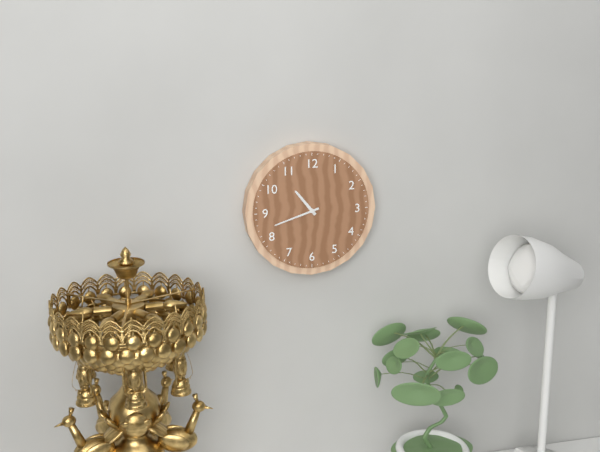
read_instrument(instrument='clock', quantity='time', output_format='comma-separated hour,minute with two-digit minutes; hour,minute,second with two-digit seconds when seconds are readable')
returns 10,42
